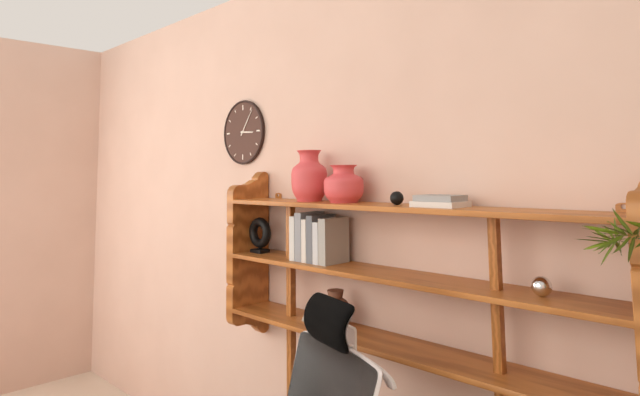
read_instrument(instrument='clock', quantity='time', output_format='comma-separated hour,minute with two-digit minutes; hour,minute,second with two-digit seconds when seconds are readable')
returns 3,06
